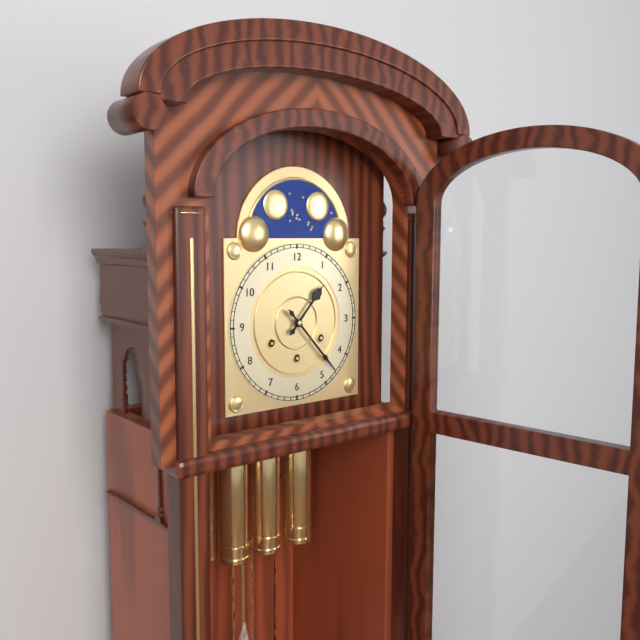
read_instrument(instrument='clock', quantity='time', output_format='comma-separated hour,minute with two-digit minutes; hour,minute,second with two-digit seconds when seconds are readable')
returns 1,23
